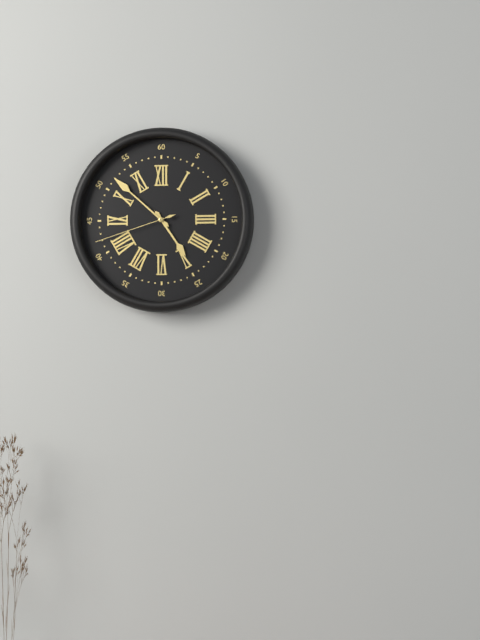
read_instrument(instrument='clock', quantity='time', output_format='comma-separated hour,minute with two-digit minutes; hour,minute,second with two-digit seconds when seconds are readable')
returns 4,52,42
